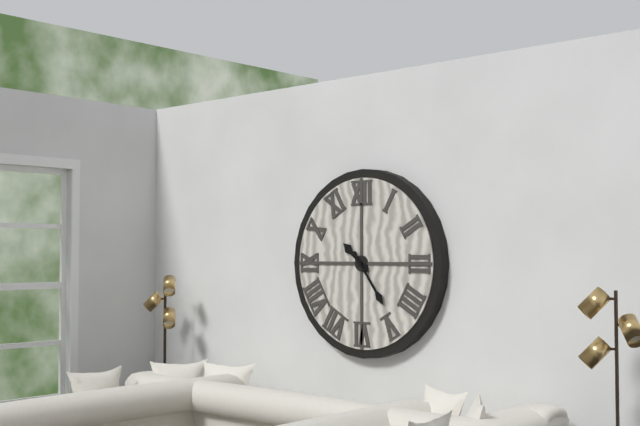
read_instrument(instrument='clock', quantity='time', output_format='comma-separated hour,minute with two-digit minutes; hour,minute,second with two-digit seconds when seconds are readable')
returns 10,24
